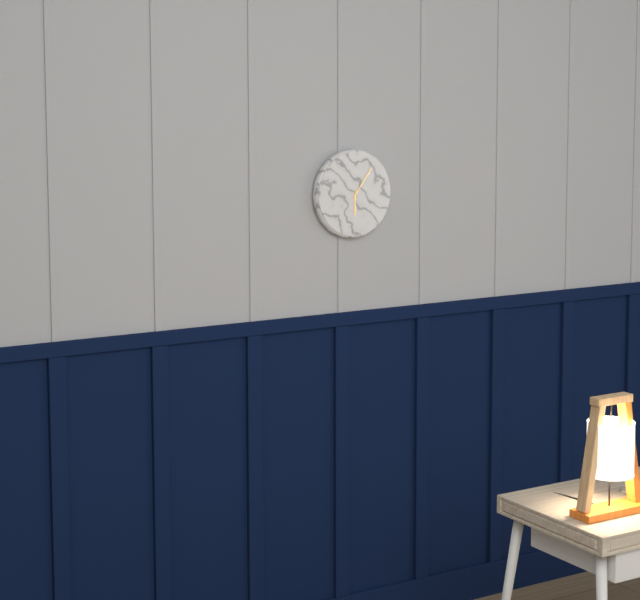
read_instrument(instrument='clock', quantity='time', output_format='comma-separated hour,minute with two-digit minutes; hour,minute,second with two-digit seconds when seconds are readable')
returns 6,06
